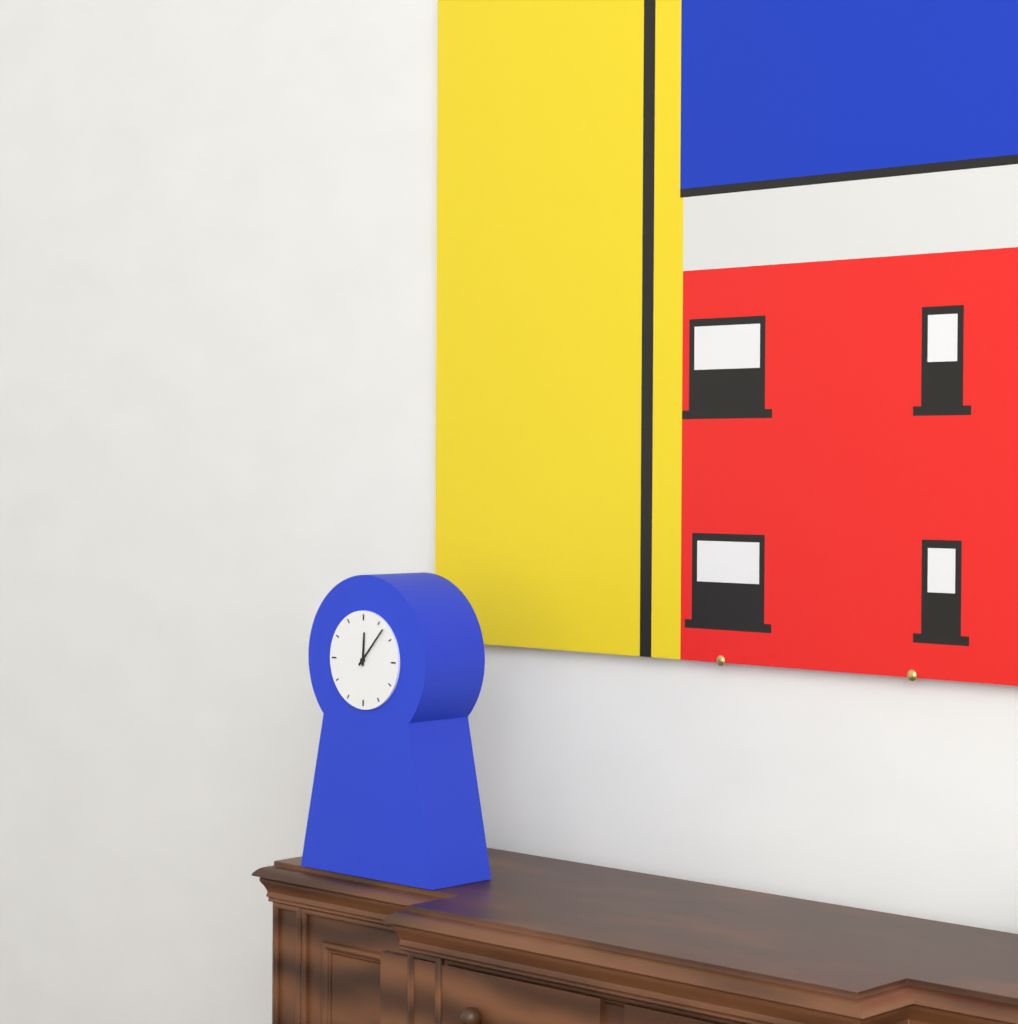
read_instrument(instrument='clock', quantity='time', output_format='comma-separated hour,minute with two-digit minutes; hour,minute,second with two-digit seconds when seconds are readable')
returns 12,07
